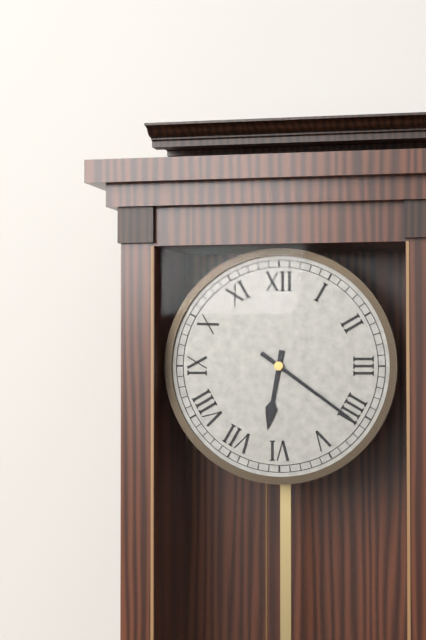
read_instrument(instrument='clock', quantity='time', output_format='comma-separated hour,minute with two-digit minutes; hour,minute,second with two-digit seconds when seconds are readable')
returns 6,21
